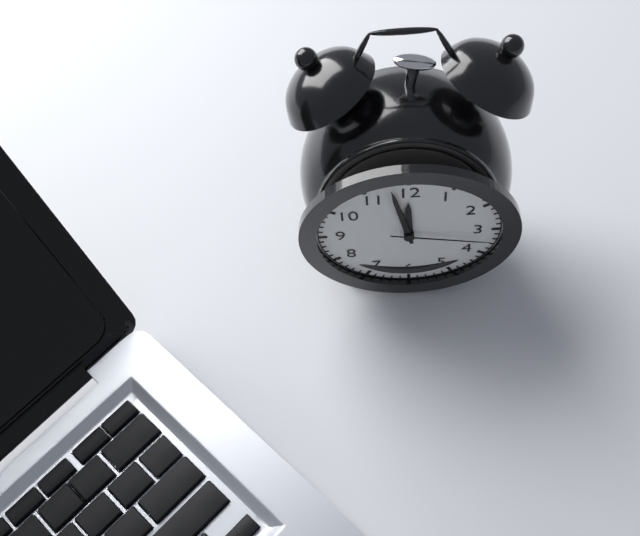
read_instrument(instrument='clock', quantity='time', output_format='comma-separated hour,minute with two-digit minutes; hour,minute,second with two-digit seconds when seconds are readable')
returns 11,58,17
